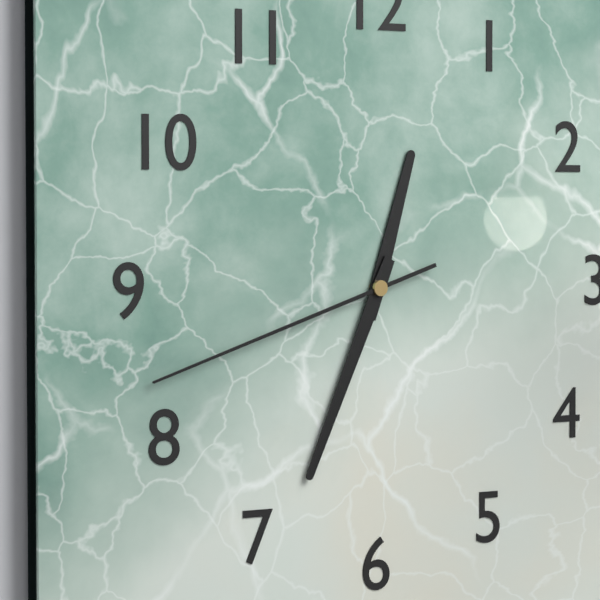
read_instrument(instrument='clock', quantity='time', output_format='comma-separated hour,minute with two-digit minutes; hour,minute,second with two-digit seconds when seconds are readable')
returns 12,34,42
